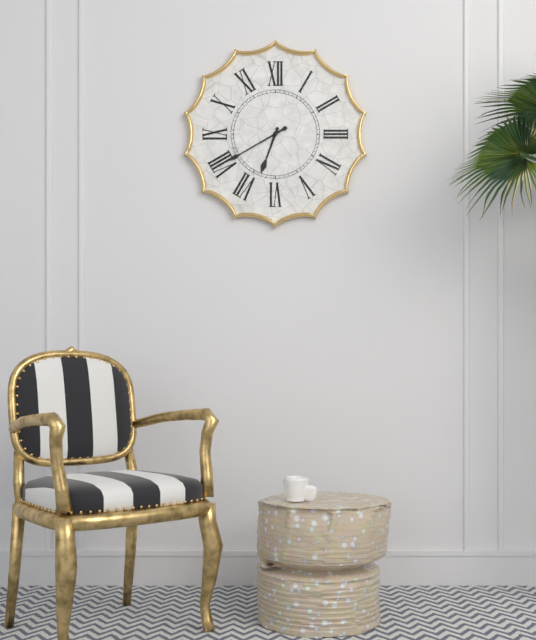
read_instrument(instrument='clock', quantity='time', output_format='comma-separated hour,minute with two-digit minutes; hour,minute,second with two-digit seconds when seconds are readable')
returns 6,40
